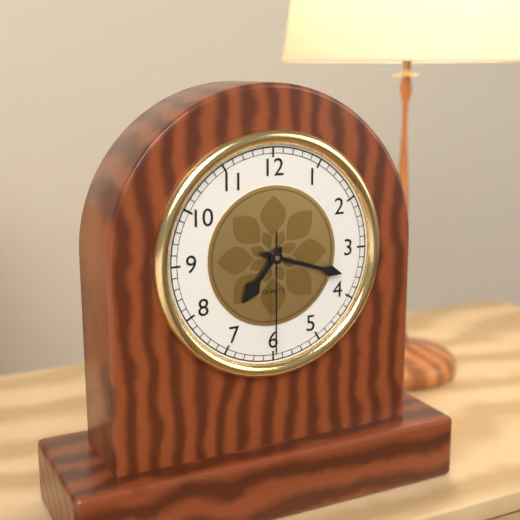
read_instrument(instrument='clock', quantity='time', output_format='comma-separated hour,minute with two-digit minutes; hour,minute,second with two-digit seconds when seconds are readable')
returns 7,18,30
